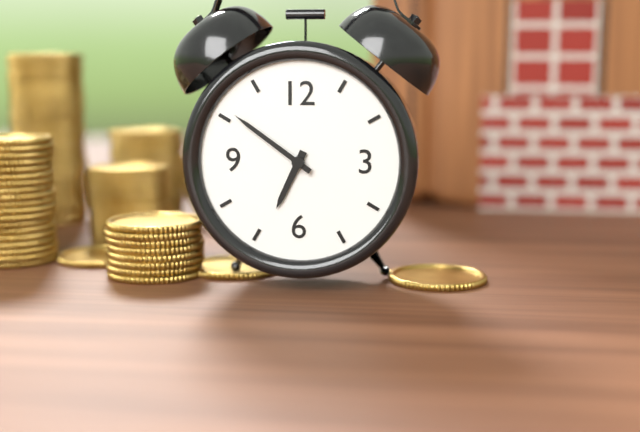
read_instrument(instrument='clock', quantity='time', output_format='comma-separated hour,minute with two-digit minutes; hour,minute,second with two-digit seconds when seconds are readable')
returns 6,51
